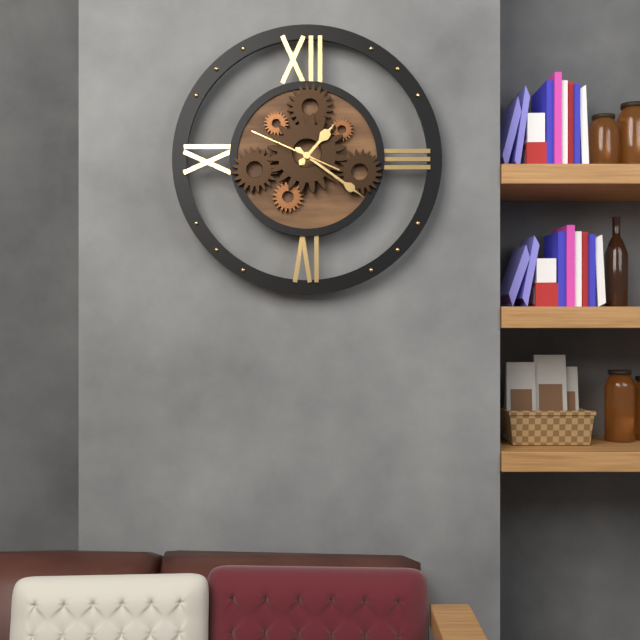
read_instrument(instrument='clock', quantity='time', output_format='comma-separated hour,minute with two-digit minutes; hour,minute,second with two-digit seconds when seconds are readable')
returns 1,21,49
